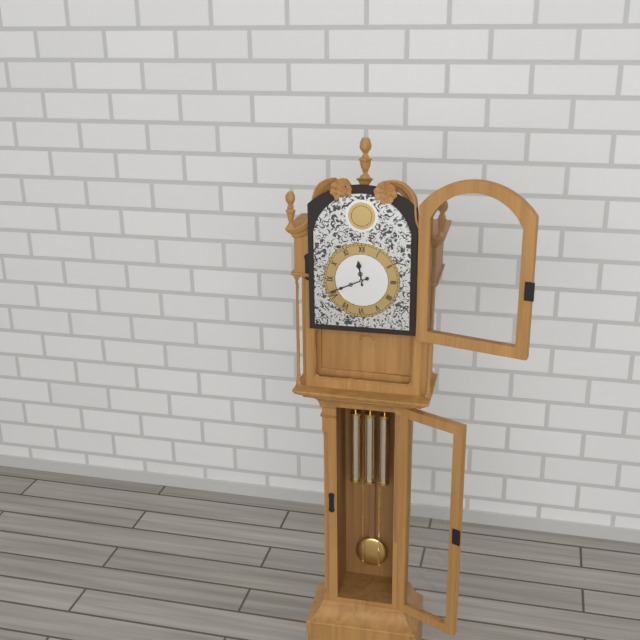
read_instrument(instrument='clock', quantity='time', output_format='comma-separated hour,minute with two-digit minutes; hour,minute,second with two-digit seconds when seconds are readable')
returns 11,41
